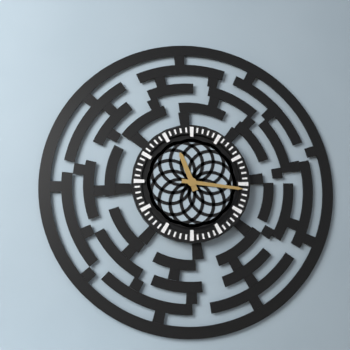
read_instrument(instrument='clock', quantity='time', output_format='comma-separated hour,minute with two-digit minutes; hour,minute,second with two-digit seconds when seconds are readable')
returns 11,16
